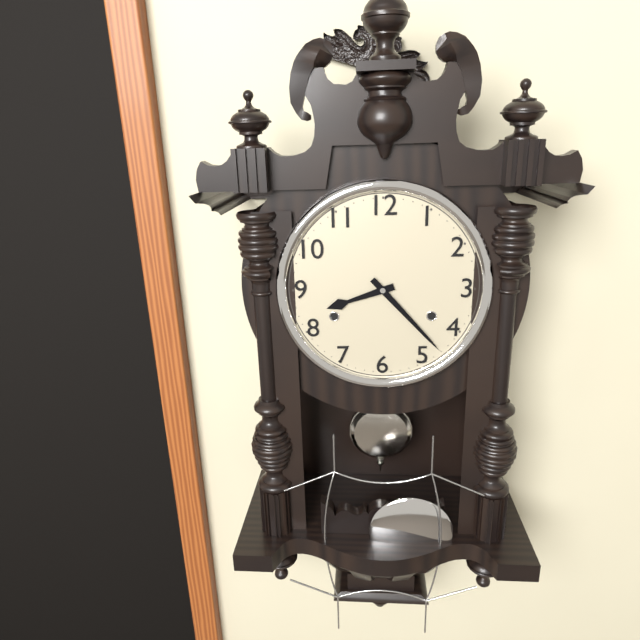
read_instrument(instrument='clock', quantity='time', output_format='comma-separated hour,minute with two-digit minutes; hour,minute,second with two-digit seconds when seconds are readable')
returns 8,23
